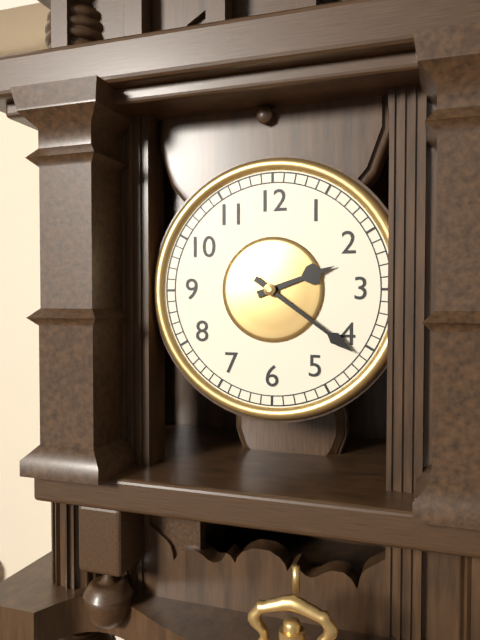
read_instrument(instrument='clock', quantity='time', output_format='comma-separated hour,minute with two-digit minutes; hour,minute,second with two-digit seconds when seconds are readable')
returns 2,21
